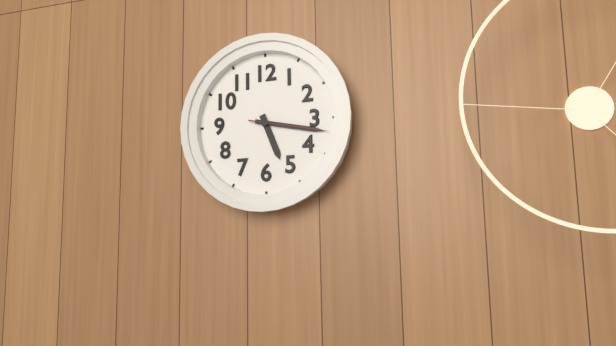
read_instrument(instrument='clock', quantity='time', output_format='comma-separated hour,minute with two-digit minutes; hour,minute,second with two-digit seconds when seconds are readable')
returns 5,17,17
